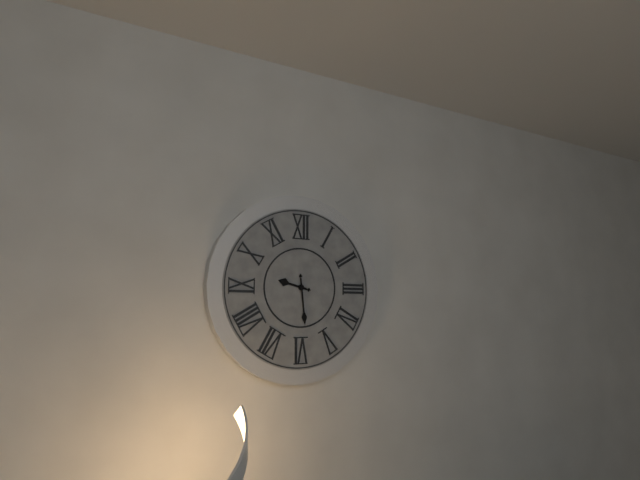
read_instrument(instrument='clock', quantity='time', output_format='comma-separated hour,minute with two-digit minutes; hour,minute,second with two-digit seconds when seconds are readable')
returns 9,29
